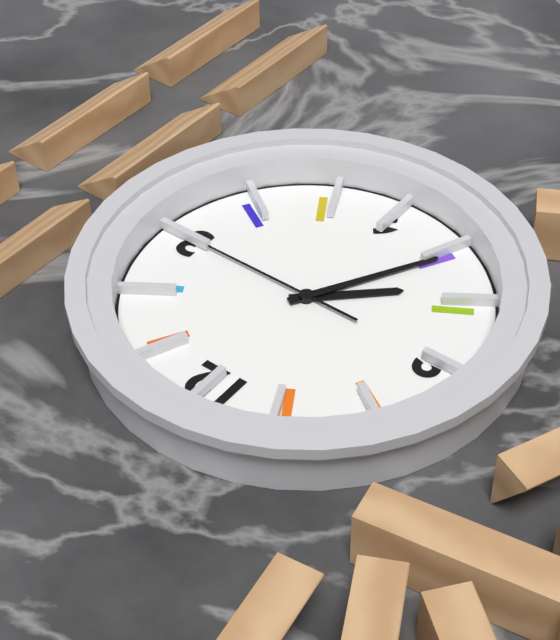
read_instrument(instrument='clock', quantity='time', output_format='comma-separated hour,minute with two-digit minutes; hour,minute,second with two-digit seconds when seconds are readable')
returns 7,35,15
